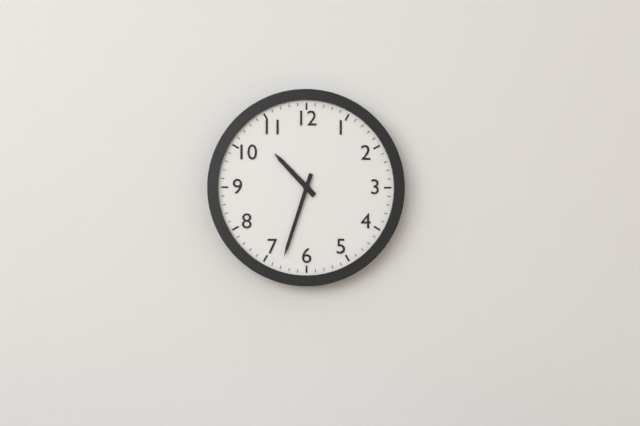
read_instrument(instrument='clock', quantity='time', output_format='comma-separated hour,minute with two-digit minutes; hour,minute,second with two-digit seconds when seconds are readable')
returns 10,33
